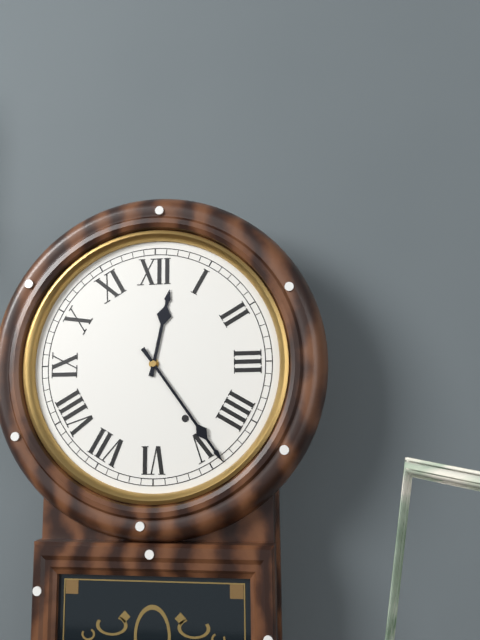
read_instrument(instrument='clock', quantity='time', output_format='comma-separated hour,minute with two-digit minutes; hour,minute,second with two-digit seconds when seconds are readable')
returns 12,24
